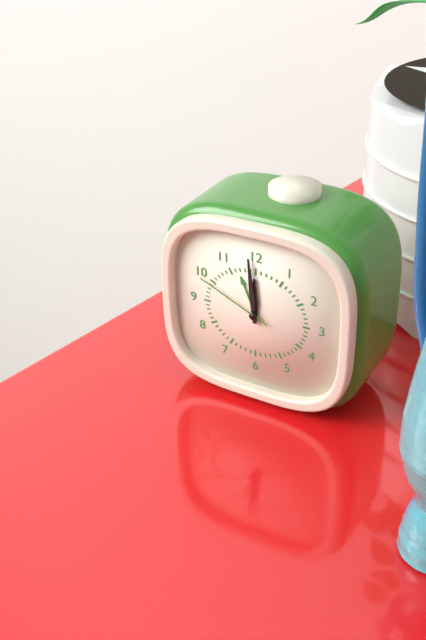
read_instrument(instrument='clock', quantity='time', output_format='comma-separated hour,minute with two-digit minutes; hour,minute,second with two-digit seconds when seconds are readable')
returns 11,59,49
